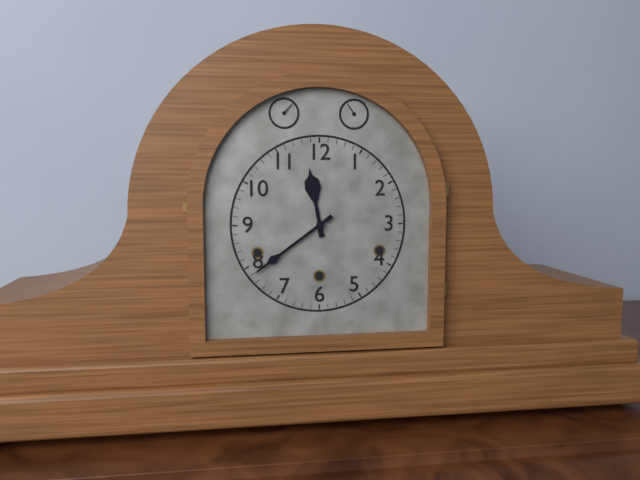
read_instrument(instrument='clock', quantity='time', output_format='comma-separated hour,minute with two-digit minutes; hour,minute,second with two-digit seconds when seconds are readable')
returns 11,39
